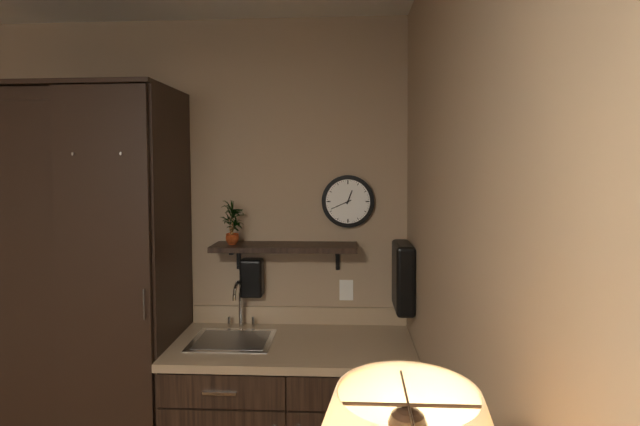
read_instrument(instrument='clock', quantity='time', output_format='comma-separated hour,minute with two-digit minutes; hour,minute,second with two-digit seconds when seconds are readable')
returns 12,41
